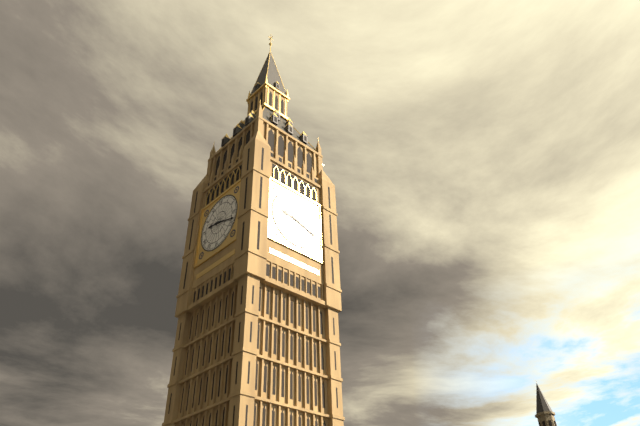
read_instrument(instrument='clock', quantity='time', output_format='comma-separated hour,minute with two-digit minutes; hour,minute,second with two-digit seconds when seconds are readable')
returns 9,18
